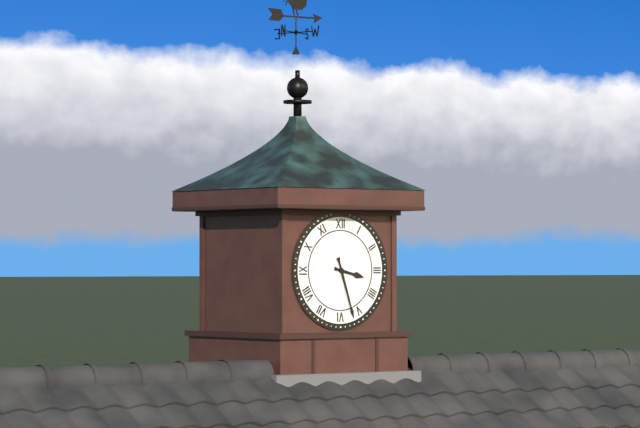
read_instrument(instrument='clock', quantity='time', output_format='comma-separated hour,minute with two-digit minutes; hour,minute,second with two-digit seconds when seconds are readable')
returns 3,27
